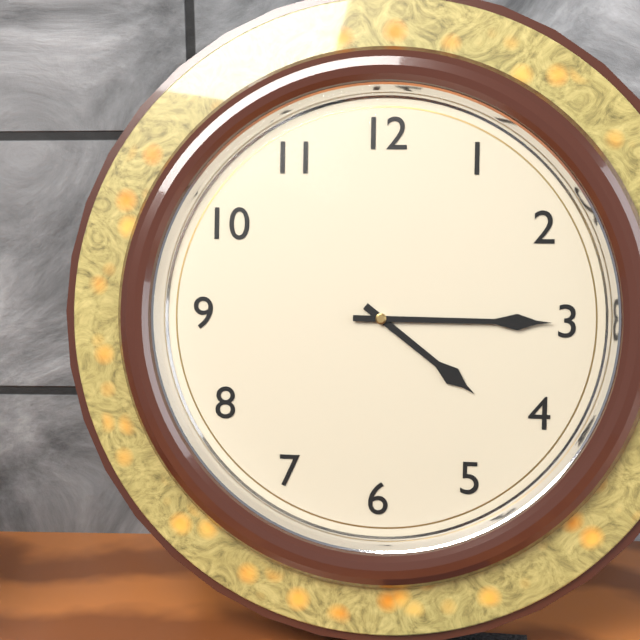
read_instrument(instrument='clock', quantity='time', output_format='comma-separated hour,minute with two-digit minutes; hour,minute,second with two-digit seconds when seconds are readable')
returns 4,15
